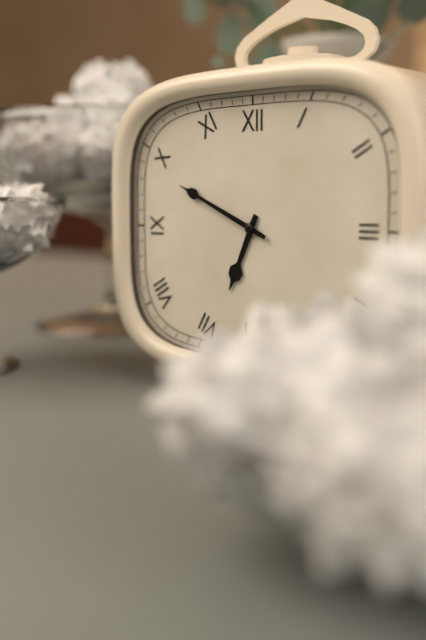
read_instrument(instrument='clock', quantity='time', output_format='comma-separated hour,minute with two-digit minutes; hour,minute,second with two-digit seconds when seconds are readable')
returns 6,49
